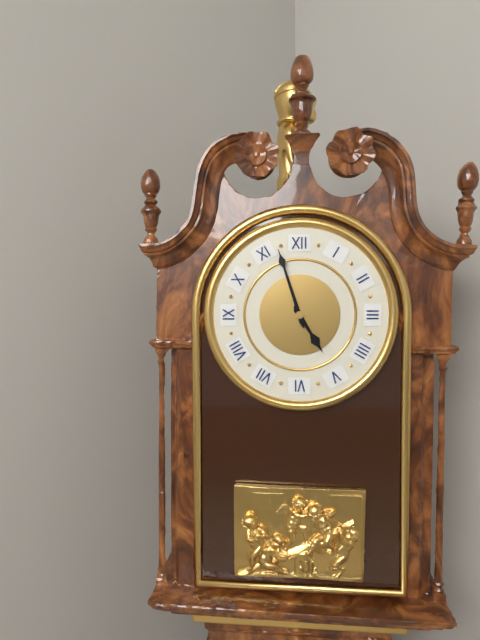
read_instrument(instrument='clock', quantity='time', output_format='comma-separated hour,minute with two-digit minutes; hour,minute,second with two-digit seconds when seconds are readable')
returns 4,57
